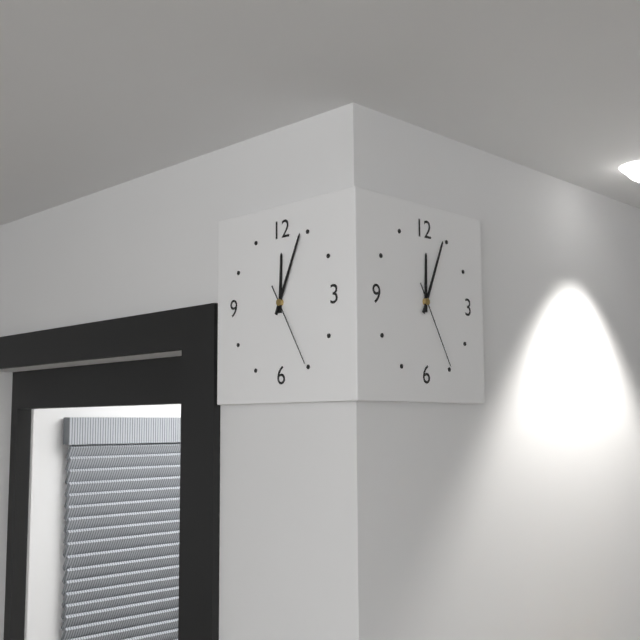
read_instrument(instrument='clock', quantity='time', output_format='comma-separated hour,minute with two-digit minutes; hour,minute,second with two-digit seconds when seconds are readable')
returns 12,04,25
